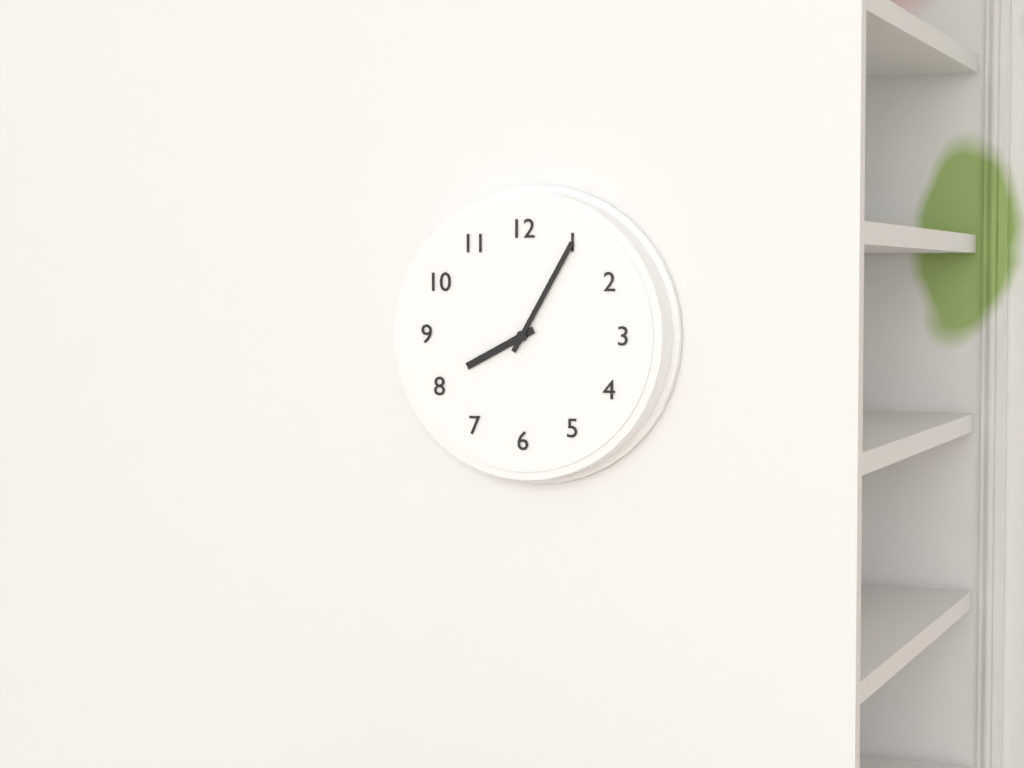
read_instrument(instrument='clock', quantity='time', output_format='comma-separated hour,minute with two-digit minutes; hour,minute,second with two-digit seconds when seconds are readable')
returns 8,05
